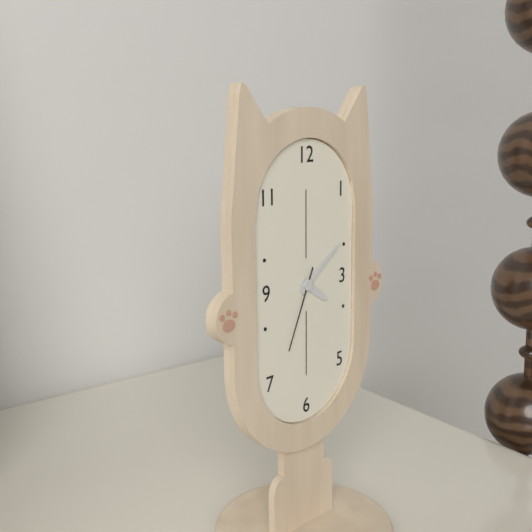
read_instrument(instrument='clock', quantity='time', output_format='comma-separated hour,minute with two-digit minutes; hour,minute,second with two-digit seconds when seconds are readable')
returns 4,09,34
